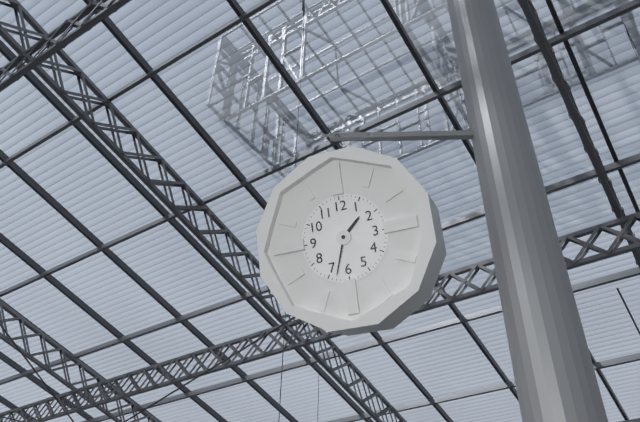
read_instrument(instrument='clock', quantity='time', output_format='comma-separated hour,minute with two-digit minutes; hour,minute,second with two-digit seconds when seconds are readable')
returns 1,33
